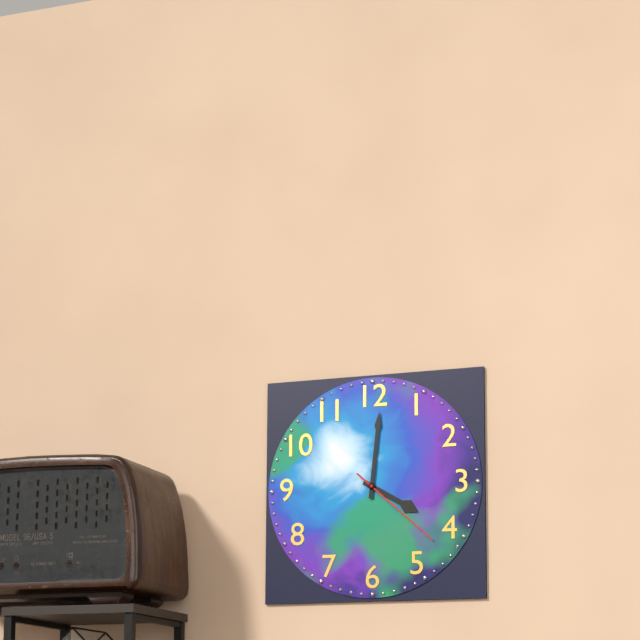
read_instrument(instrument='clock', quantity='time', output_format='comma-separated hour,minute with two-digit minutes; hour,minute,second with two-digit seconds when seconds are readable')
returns 4,01,22
